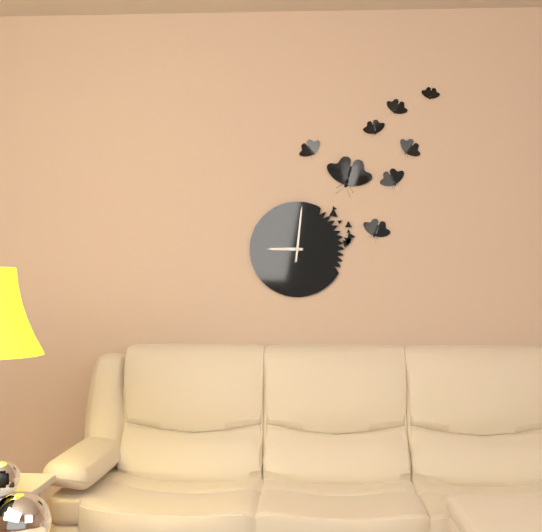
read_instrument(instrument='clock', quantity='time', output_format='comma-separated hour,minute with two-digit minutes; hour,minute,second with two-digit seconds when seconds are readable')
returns 9,01
